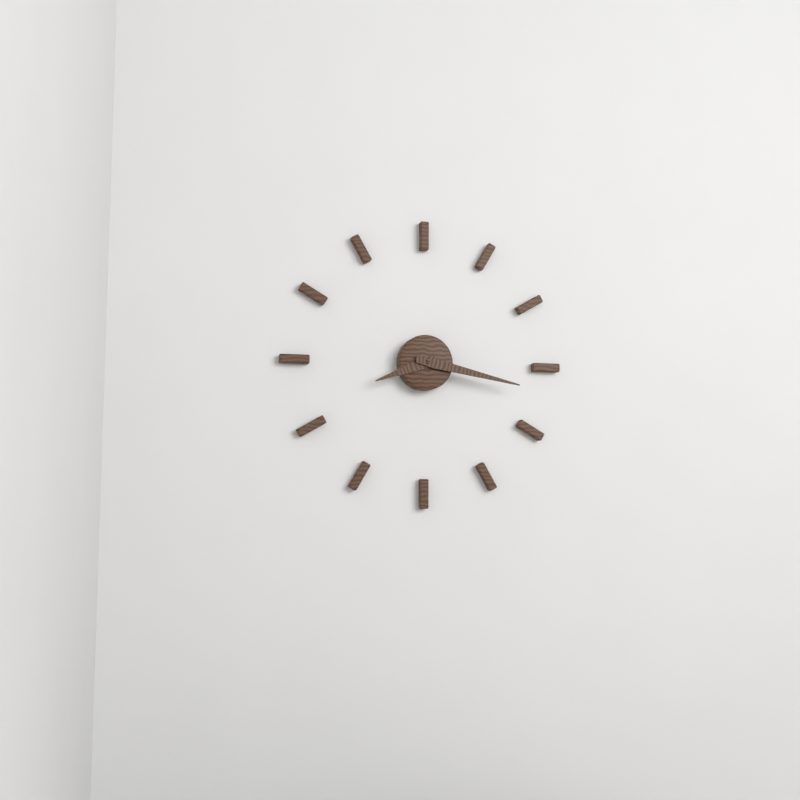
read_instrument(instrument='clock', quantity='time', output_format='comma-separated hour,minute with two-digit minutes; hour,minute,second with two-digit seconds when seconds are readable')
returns 8,17
